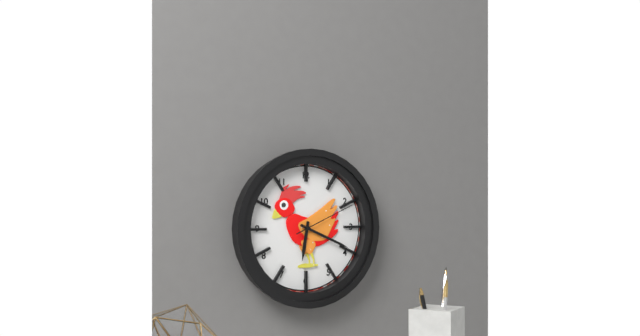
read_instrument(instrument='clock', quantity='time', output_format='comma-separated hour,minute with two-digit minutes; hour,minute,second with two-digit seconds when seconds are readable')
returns 6,19,11
